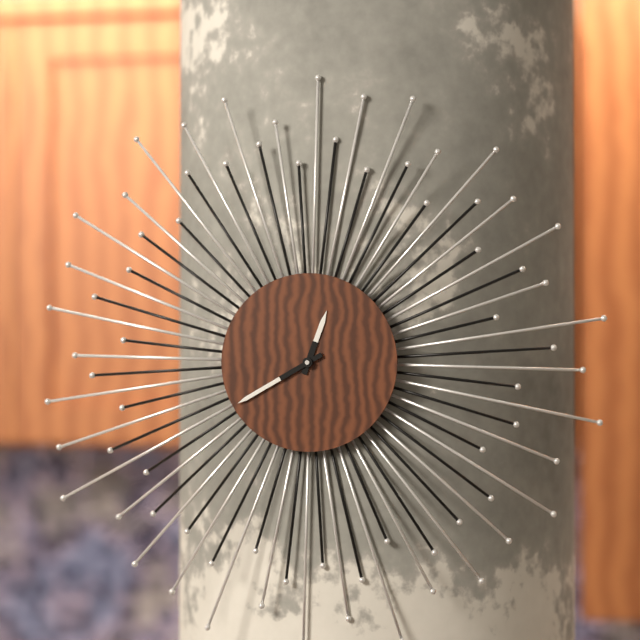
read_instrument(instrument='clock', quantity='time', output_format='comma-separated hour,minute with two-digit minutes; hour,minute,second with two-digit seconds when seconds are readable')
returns 12,40
